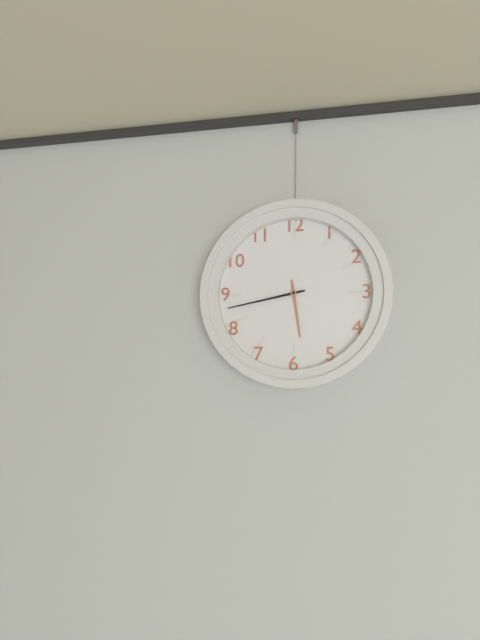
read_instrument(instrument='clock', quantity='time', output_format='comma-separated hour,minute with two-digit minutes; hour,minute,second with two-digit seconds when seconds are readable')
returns 5,43
